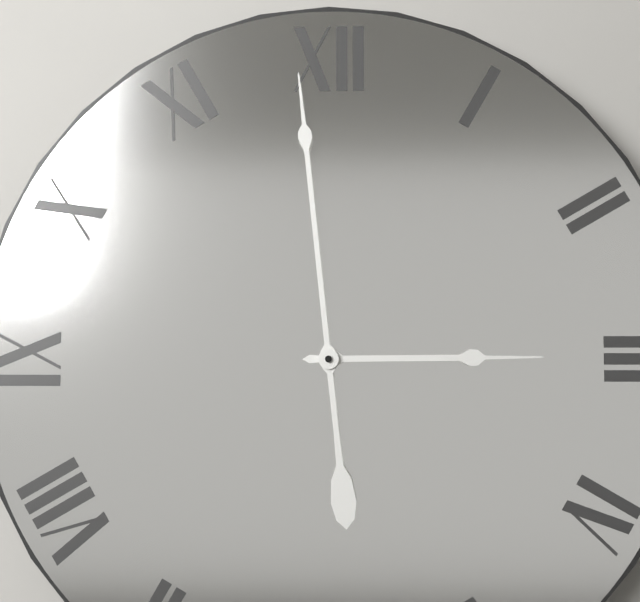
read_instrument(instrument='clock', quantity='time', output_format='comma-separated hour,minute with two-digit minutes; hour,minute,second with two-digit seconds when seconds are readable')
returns 2,59
